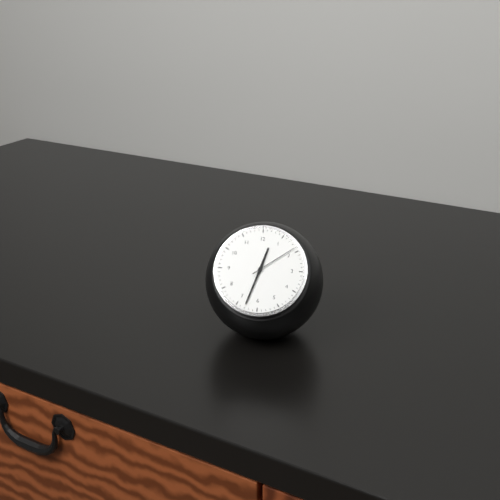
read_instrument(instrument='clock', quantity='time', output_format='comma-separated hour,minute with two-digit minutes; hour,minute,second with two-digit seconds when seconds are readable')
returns 12,33
